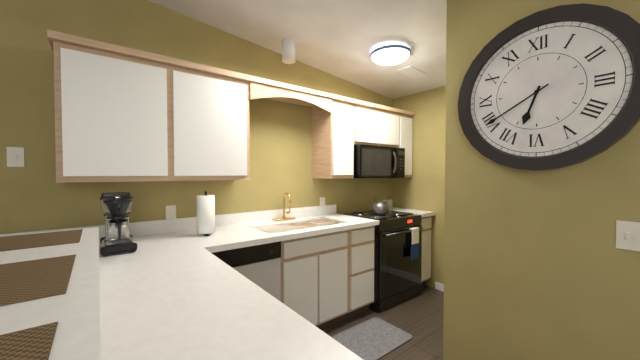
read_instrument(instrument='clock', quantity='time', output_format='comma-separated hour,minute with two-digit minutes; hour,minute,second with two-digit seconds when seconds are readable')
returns 6,40
